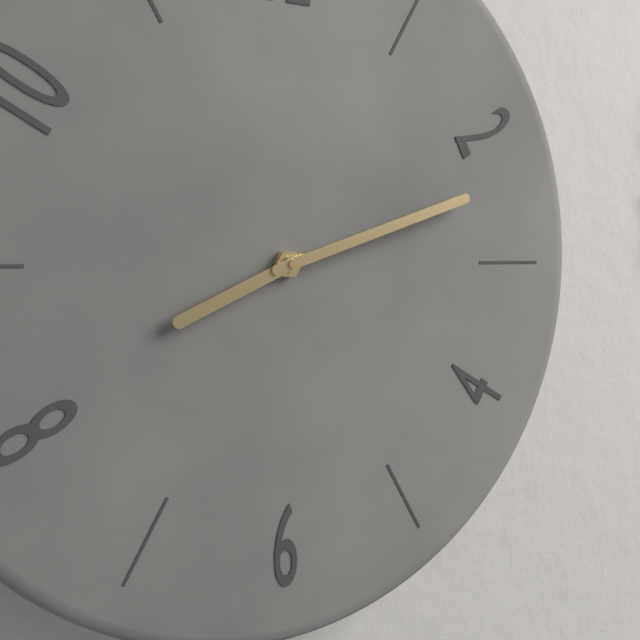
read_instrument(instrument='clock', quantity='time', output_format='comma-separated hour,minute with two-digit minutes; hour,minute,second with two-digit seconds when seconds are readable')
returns 8,12
